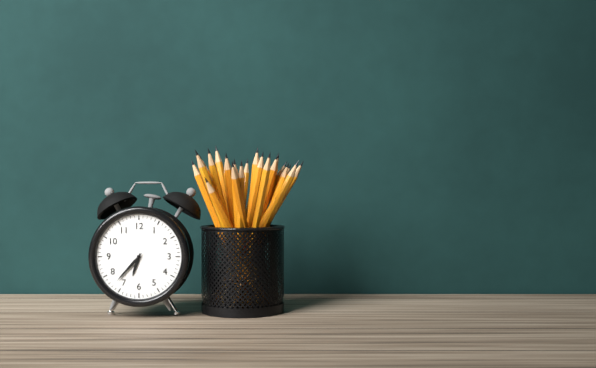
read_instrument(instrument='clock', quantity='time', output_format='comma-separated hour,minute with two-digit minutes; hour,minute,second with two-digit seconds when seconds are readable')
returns 6,37
